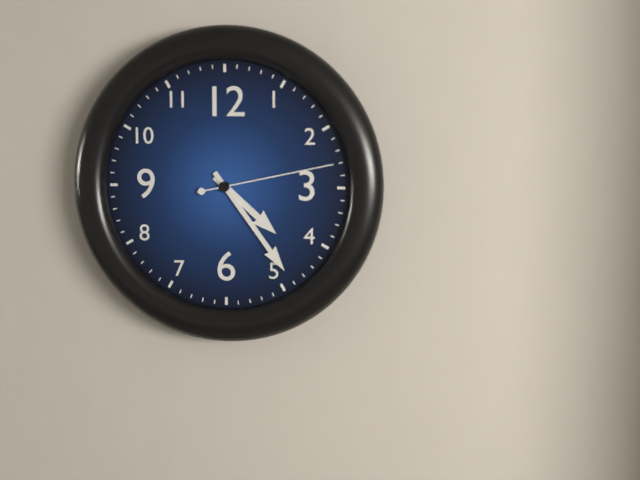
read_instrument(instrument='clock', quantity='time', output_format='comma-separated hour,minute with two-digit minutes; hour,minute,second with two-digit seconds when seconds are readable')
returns 4,24,13
